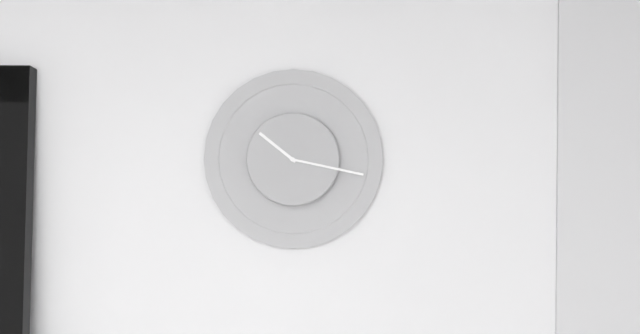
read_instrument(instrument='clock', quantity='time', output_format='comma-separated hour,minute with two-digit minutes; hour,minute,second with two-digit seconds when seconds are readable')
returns 10,17
